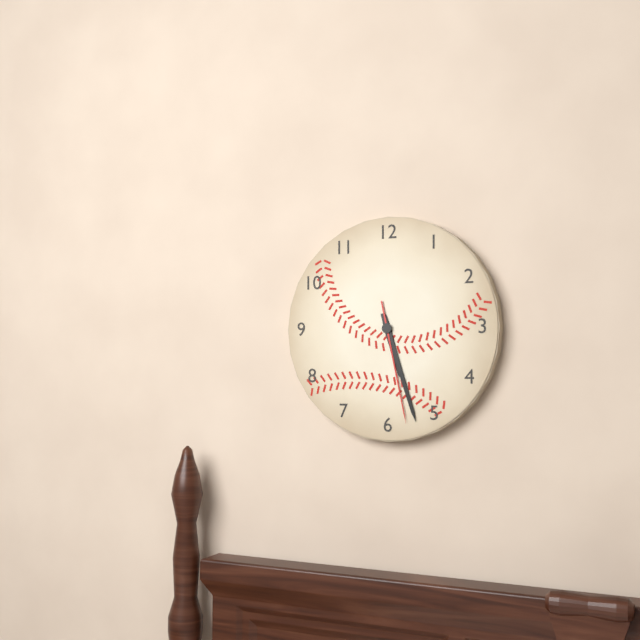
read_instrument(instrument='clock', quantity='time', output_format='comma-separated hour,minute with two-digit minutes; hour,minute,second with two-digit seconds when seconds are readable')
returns 5,27,28
